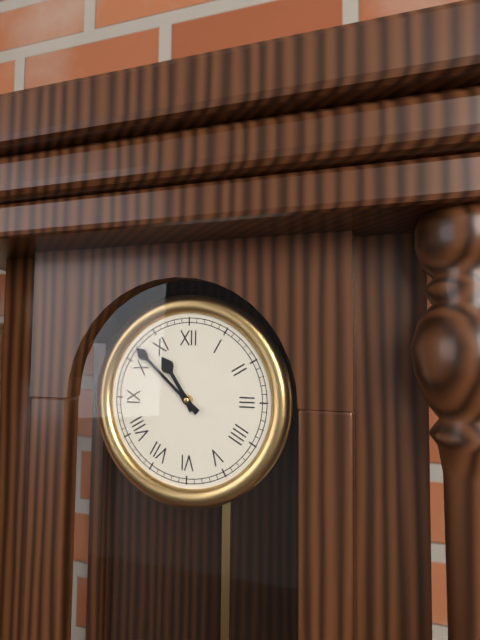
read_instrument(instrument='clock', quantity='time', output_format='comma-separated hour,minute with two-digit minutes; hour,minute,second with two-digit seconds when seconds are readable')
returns 10,52
